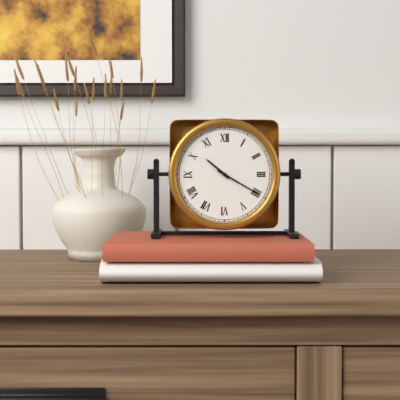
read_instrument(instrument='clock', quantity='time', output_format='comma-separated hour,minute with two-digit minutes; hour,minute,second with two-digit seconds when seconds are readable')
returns 10,20
